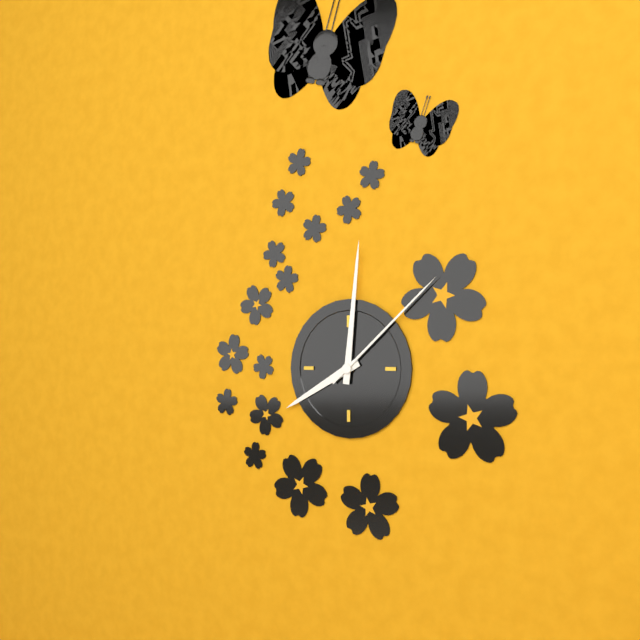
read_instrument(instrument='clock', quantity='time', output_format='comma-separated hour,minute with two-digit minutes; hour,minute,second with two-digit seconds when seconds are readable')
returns 8,01,08
